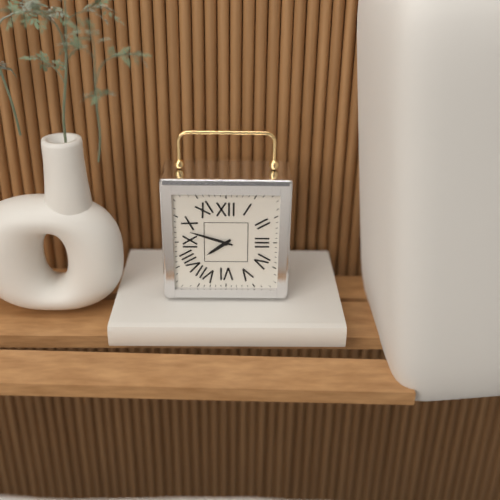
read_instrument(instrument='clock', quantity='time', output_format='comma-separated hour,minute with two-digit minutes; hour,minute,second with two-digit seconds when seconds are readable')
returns 7,48
